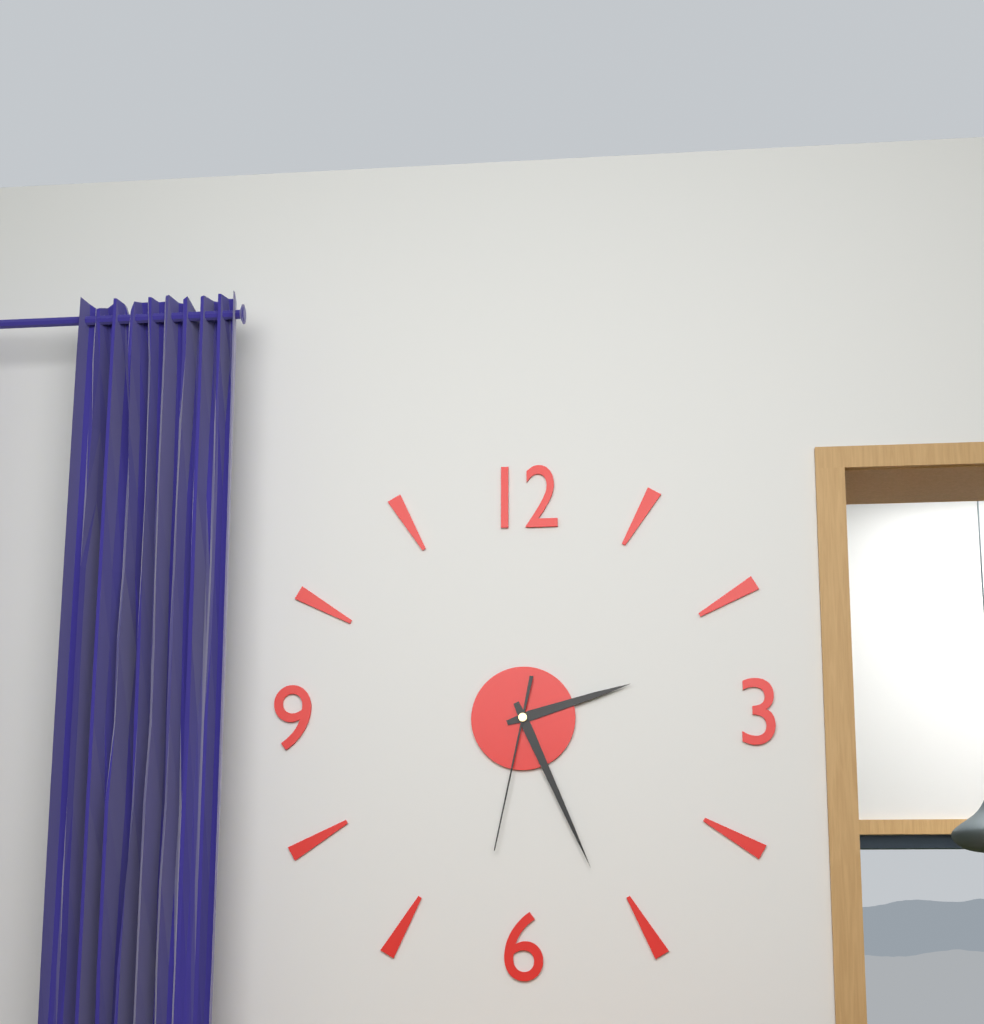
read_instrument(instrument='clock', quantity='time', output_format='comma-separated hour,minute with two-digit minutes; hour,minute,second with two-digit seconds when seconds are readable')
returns 2,26,32
